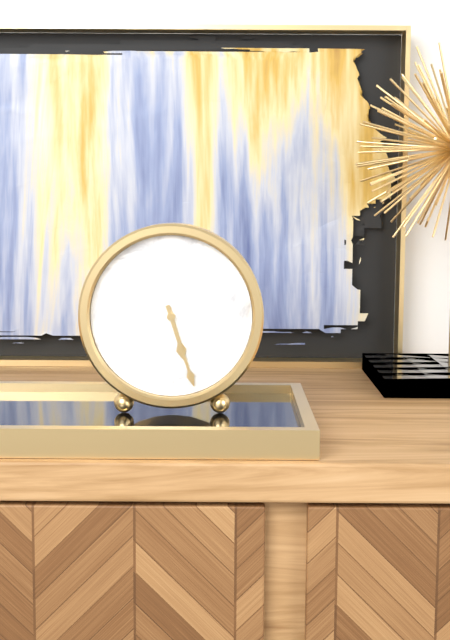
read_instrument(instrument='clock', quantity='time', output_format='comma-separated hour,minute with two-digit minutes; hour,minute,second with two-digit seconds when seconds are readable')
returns 5,27
